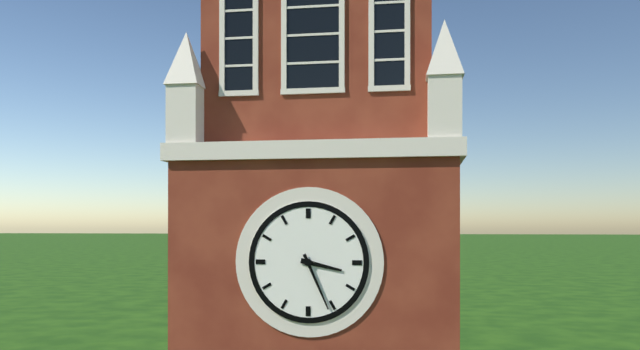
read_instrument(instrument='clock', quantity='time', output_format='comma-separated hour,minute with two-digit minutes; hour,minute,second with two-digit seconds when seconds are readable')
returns 3,26
